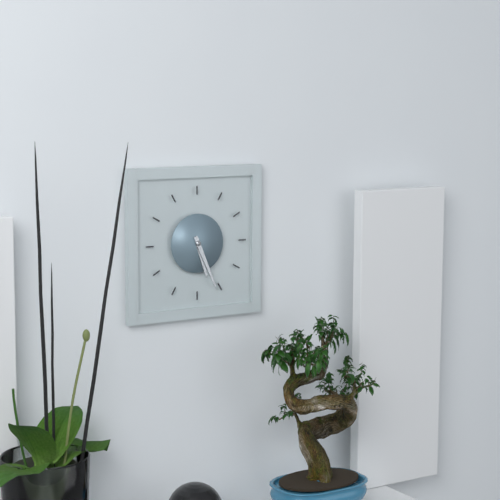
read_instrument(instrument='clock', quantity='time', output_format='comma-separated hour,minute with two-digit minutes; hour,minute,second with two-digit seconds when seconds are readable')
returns 5,26
